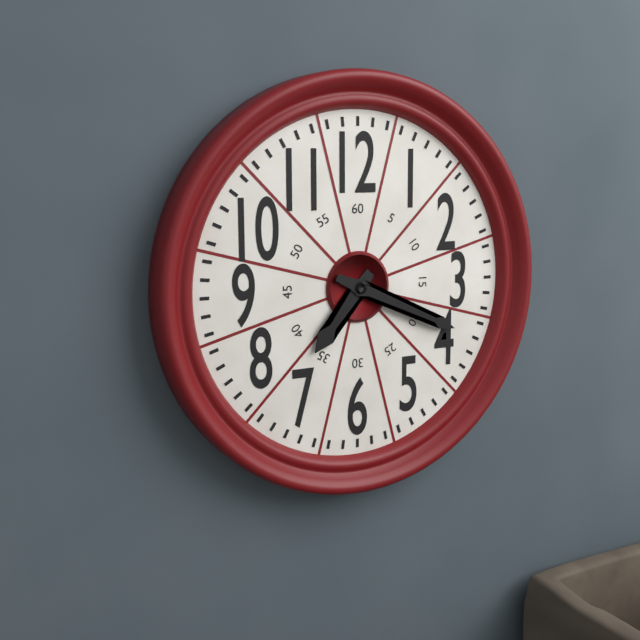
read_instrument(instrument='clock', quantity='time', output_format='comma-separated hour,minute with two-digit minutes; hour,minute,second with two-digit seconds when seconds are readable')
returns 7,19
